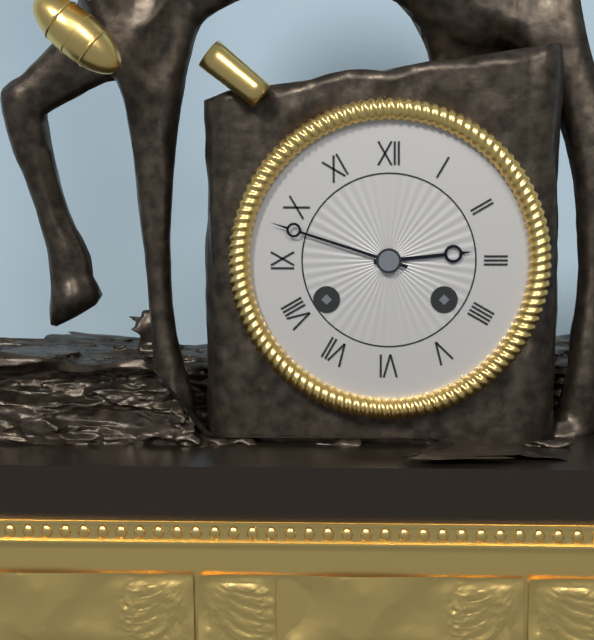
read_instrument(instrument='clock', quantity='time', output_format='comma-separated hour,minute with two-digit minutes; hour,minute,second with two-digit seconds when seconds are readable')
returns 2,48
